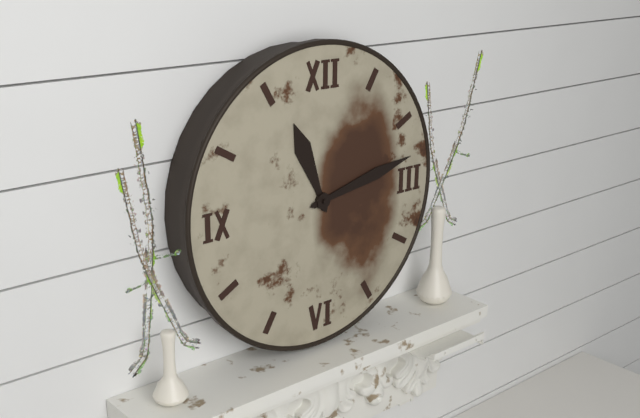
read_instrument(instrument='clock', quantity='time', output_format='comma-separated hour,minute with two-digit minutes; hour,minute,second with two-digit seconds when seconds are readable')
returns 11,13
